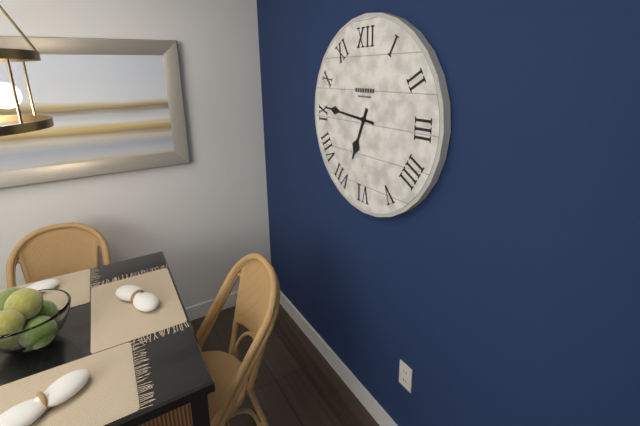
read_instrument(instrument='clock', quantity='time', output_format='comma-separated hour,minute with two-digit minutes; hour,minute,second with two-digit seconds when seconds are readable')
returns 6,46
